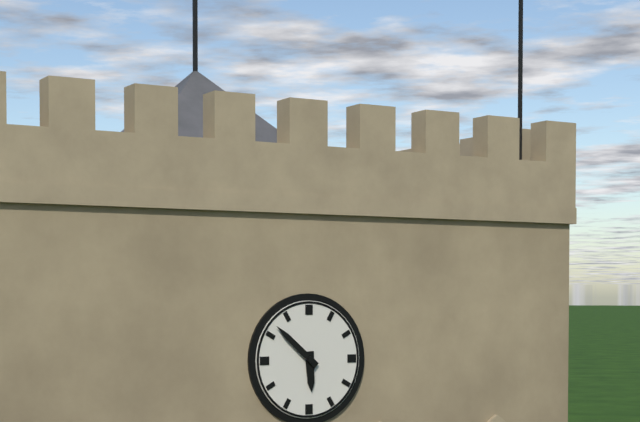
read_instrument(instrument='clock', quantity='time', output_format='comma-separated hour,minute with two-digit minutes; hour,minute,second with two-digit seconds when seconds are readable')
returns 5,52
